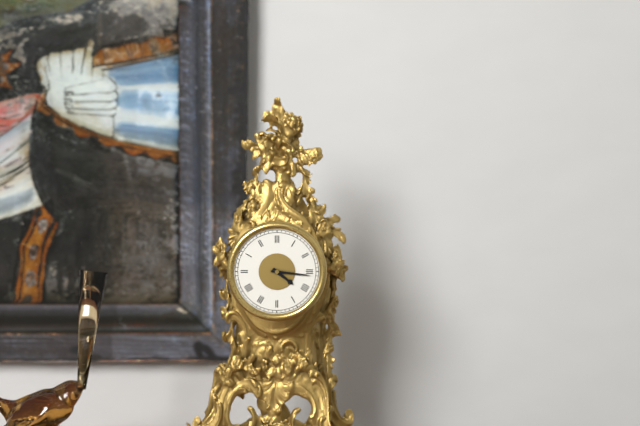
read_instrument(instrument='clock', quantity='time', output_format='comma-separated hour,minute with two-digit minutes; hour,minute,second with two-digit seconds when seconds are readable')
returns 4,16
